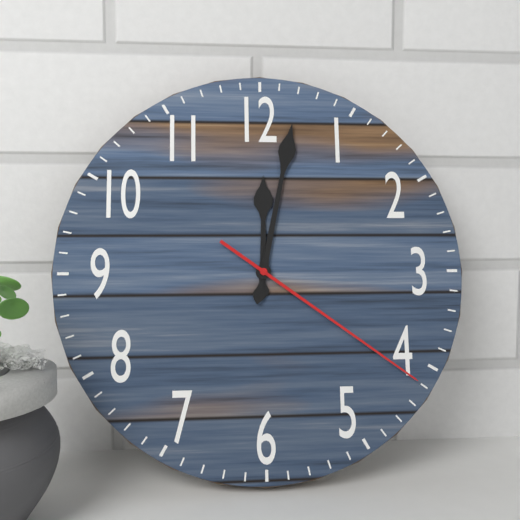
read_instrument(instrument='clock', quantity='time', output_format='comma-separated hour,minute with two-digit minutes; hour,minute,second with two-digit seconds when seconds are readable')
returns 12,02,21
